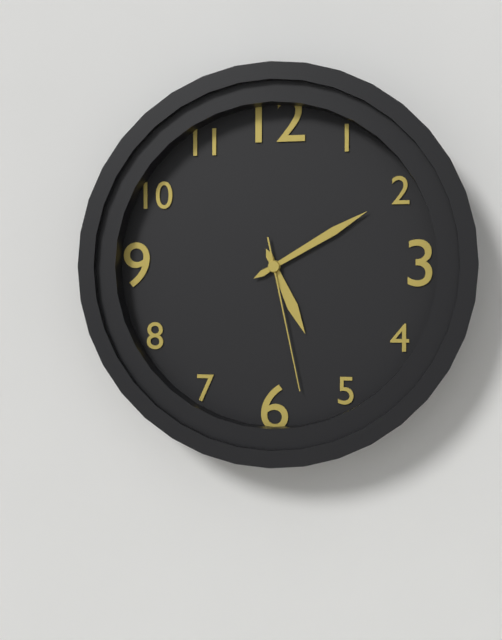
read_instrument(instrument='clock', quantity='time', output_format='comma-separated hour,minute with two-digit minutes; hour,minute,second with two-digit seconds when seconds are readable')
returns 5,10,28
